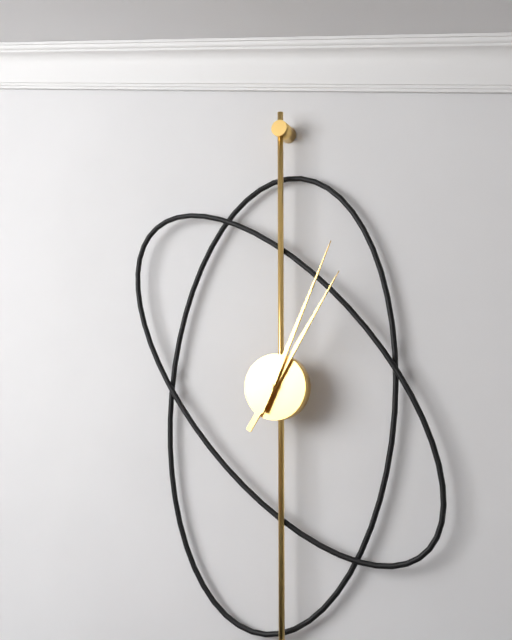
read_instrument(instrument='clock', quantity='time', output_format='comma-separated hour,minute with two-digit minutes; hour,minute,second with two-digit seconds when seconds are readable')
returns 1,04
